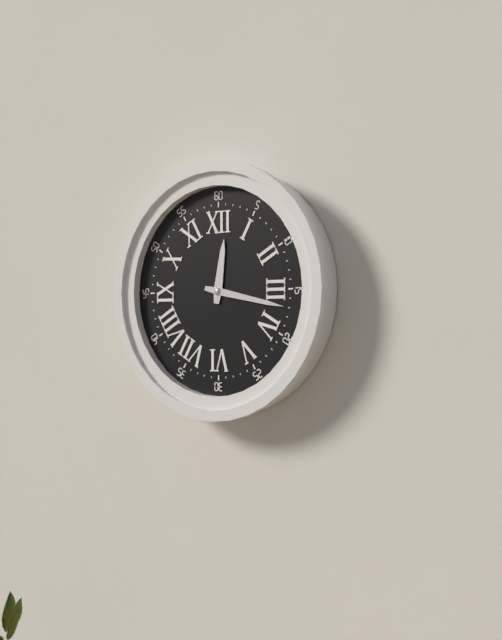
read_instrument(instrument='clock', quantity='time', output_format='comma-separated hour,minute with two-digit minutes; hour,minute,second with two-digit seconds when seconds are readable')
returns 12,17
